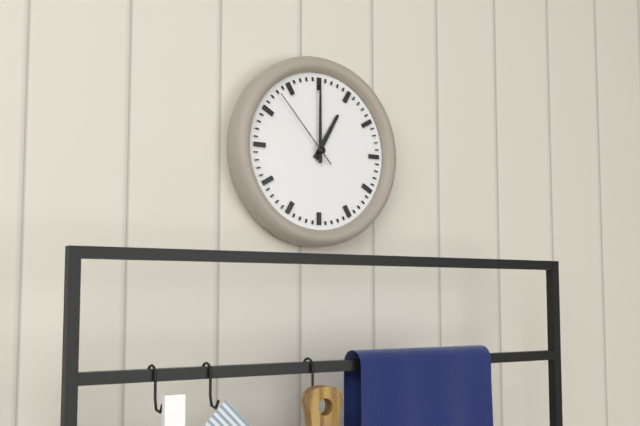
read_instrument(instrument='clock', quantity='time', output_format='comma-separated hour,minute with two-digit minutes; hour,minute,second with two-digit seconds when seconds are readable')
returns 1,00,53
